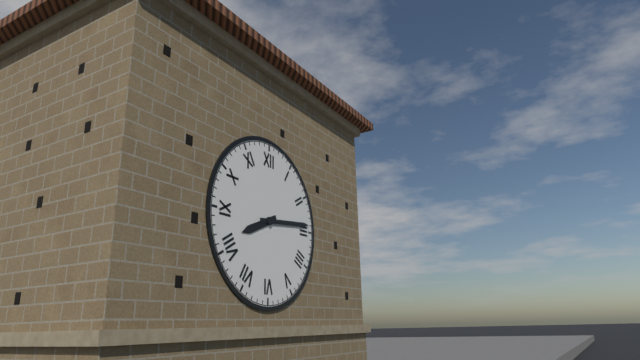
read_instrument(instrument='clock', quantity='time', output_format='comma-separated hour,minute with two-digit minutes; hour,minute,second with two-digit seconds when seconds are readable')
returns 8,14
